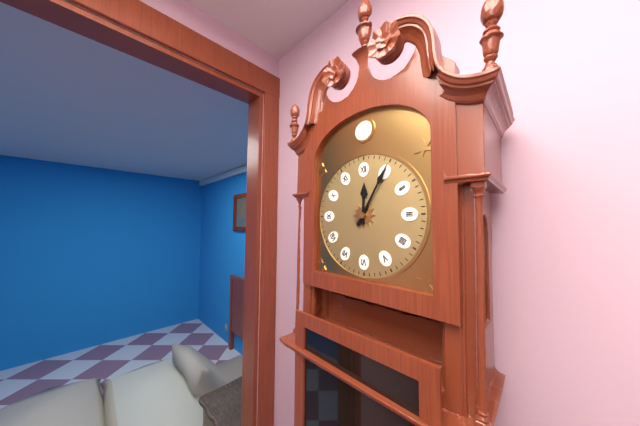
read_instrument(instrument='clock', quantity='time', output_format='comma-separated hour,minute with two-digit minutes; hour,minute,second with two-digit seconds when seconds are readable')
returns 12,05
